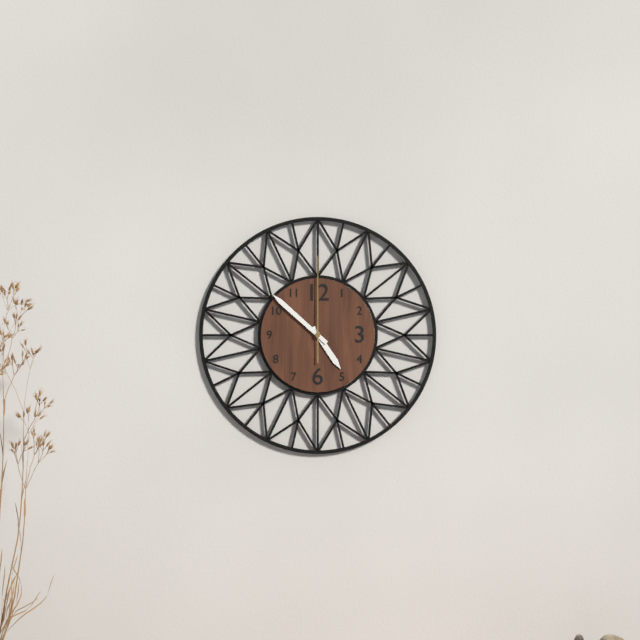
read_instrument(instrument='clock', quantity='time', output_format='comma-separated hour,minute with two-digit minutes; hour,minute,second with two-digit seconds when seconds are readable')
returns 4,52,00
